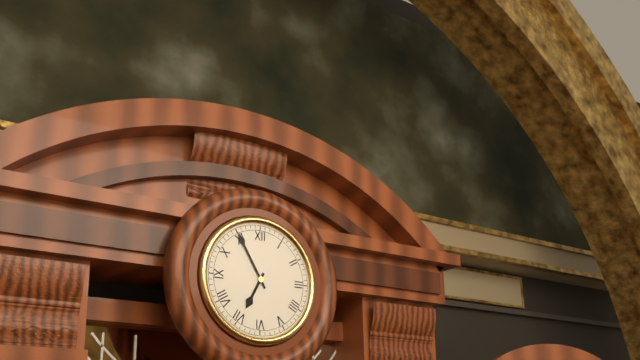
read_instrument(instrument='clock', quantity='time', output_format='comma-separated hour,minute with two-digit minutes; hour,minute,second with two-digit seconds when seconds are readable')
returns 6,55
